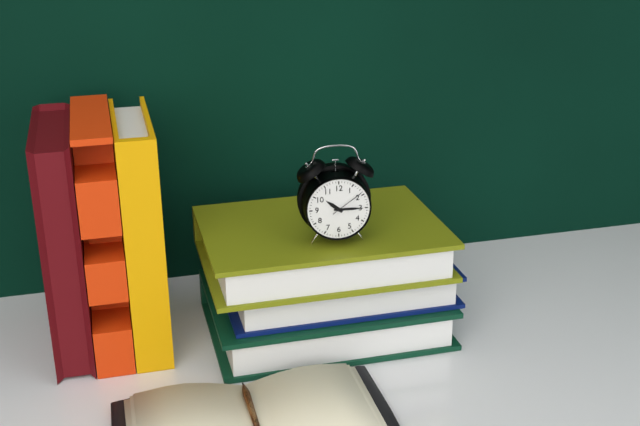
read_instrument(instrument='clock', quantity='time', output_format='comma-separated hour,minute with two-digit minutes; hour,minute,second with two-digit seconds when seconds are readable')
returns 10,15
